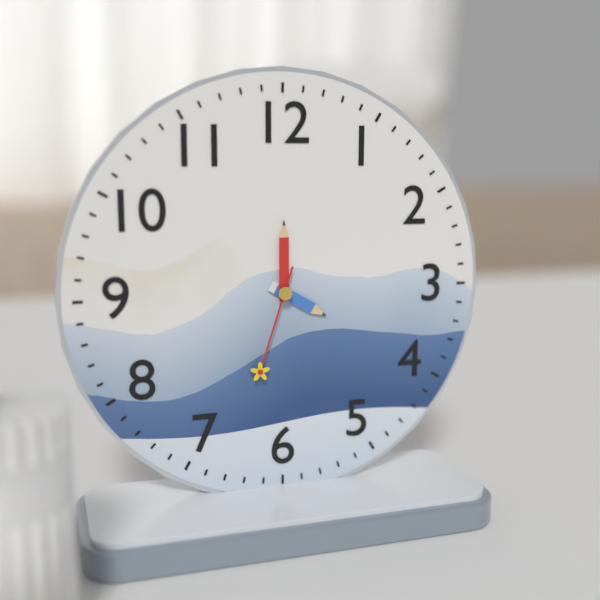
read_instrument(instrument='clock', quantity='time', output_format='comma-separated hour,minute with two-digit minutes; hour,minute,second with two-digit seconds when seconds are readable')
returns 4,00,33
